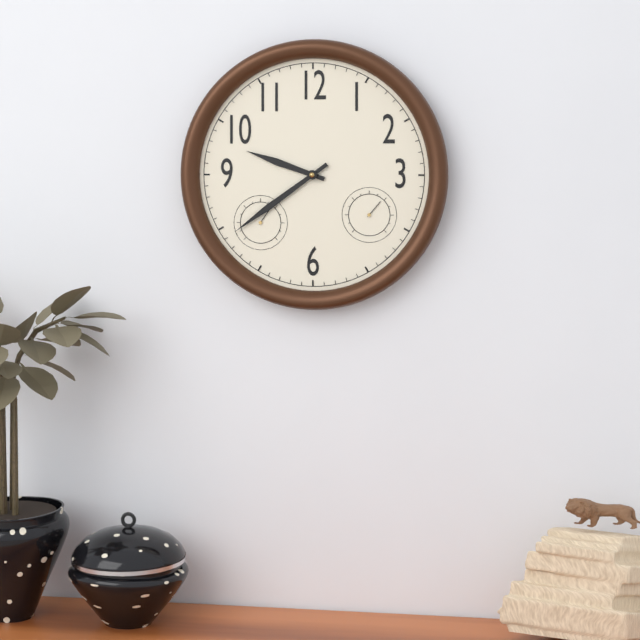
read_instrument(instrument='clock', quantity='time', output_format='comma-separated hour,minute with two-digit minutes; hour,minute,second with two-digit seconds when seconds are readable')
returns 9,39
